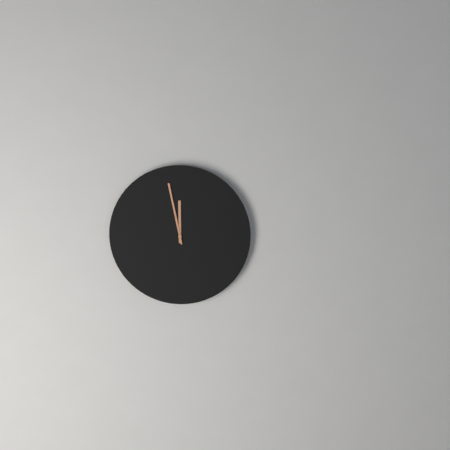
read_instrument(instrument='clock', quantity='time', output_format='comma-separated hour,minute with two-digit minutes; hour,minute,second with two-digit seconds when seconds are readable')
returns 11,58
